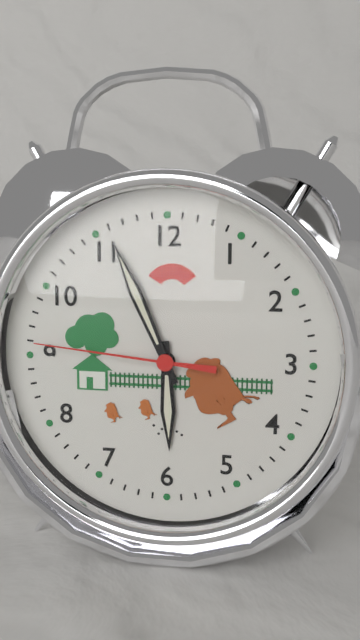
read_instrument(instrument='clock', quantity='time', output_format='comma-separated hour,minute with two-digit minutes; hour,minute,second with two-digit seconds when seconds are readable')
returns 5,56,46
